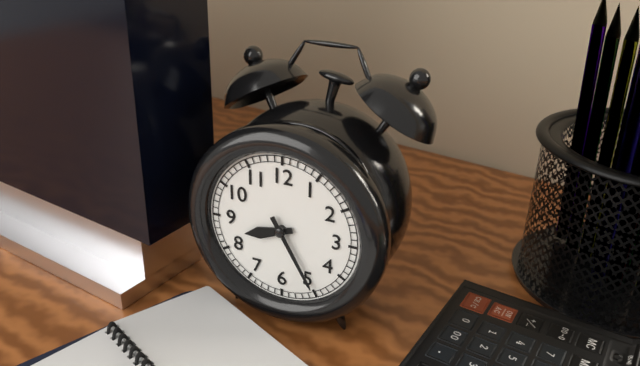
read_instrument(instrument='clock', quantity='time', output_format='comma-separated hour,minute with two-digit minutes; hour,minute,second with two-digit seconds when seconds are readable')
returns 8,25
